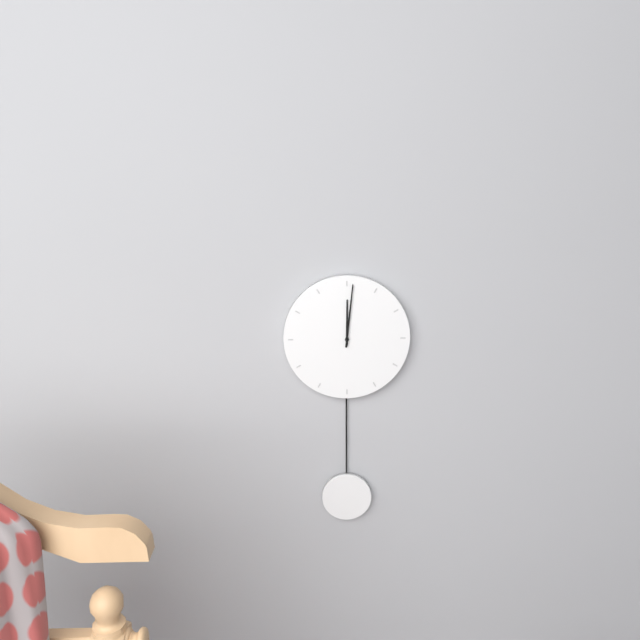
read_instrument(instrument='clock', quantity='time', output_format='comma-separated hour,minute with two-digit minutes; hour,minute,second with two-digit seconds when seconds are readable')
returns 12,01
